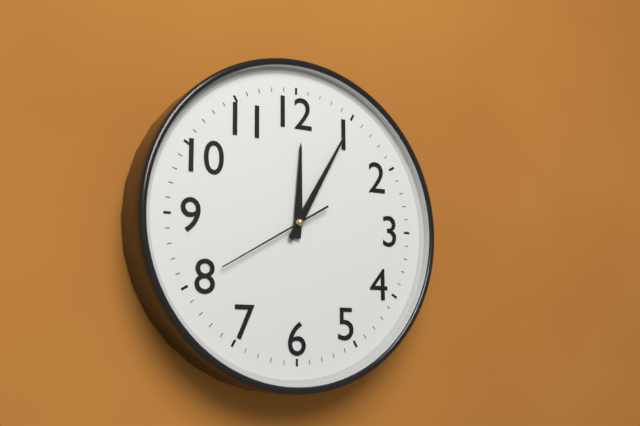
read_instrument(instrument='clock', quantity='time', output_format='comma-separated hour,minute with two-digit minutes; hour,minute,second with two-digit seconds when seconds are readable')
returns 12,05,40
